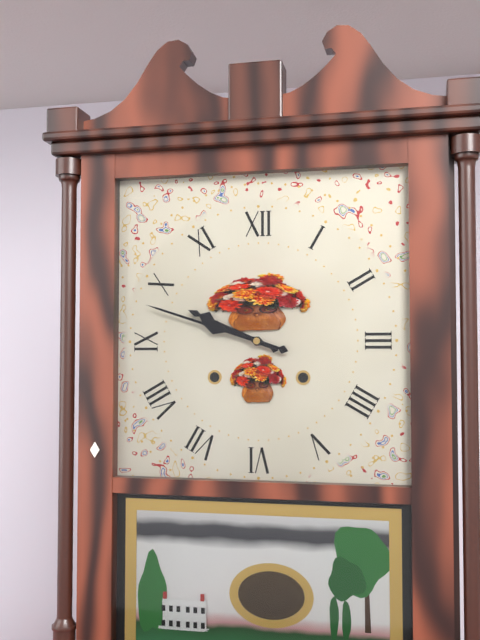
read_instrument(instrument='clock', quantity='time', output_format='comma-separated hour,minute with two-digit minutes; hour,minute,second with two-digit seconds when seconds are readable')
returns 9,48
